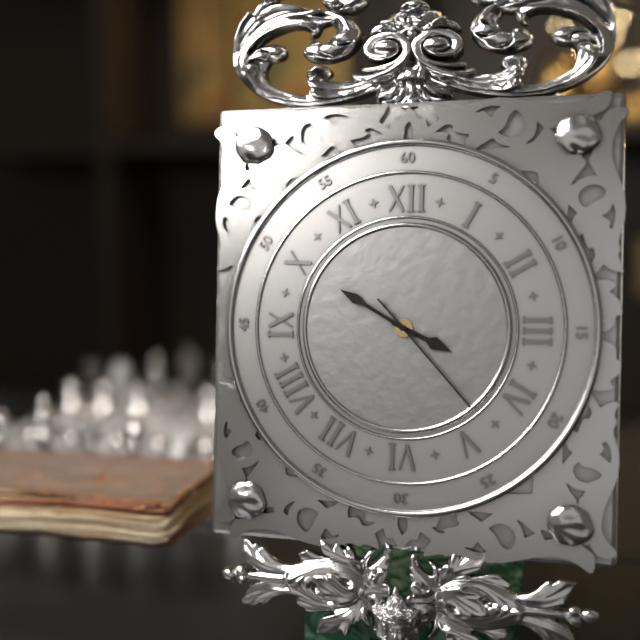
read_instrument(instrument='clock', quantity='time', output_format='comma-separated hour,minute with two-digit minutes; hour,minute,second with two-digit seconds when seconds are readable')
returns 3,50,23
